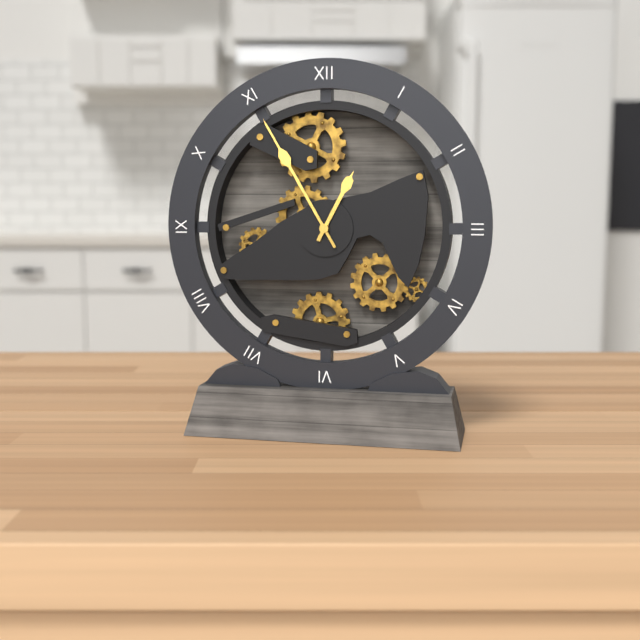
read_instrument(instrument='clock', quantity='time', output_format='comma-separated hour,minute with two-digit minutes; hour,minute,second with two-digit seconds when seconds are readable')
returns 12,55
